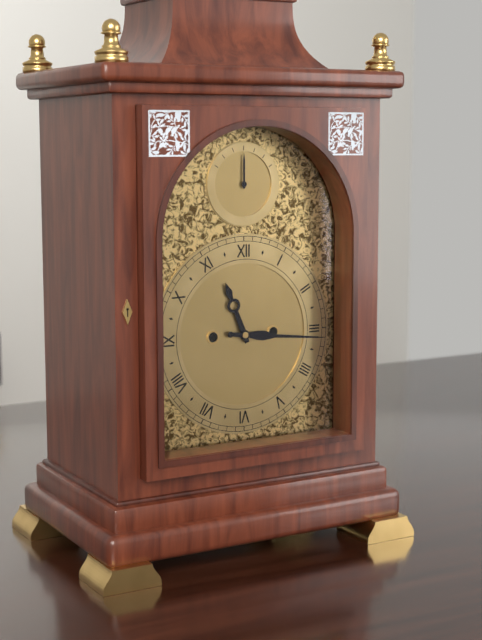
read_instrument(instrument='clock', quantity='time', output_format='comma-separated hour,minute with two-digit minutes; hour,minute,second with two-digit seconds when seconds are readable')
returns 11,16
